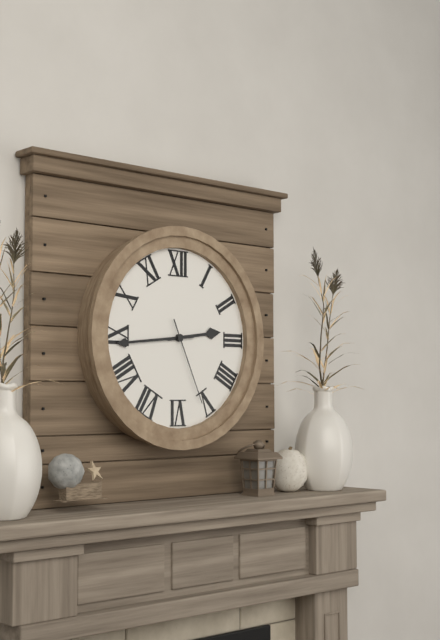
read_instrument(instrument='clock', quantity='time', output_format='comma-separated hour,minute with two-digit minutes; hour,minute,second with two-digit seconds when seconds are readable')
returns 2,44,26
